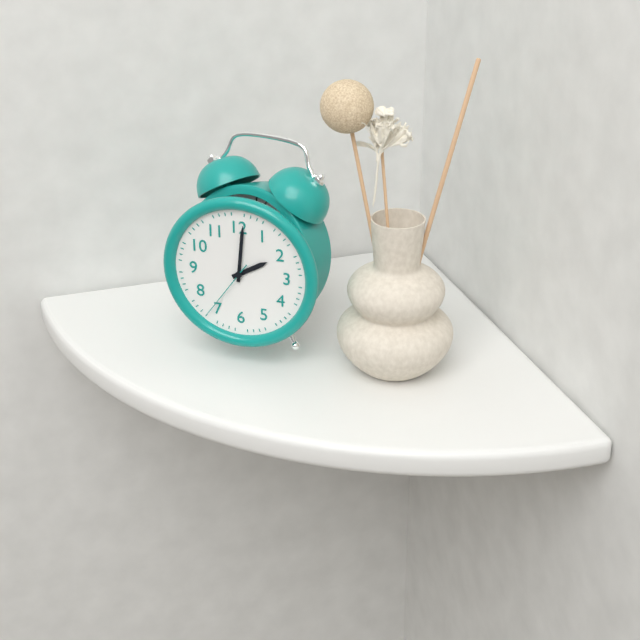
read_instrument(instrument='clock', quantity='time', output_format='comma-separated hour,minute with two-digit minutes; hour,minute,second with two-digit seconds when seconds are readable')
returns 2,01,36
